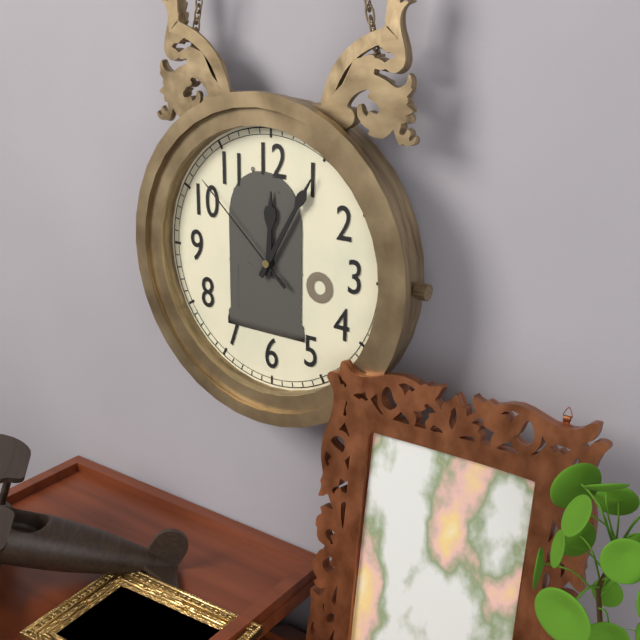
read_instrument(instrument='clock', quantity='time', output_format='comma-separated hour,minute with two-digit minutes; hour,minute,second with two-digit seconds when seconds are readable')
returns 12,05,52
